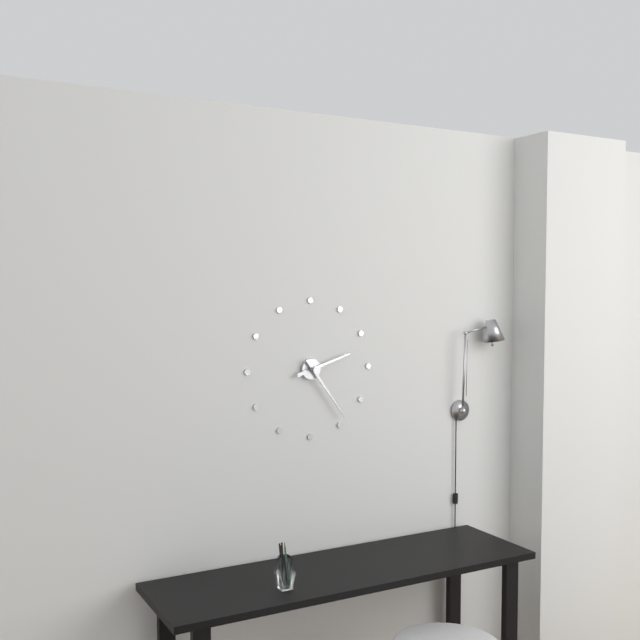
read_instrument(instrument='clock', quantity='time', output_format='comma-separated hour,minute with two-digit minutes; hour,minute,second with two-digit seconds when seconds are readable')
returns 2,24
